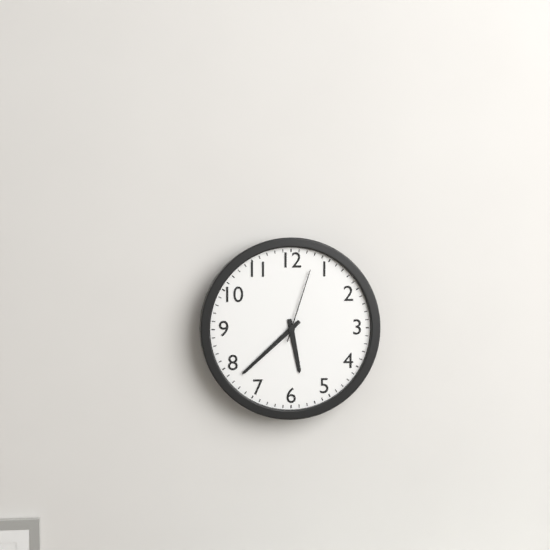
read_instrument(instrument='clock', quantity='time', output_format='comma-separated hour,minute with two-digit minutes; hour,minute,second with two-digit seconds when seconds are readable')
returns 5,38,03
